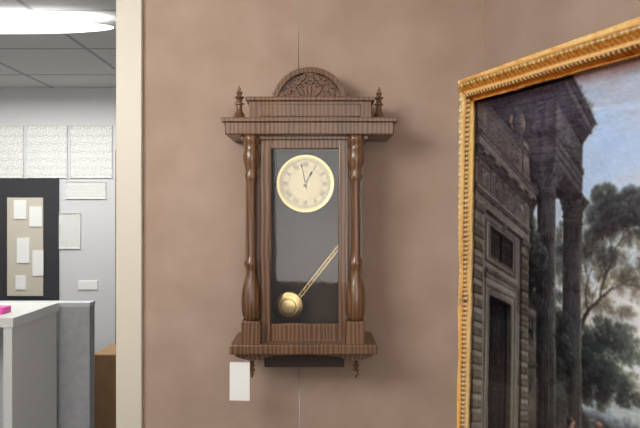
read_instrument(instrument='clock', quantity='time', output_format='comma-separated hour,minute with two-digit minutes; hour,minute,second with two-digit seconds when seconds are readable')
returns 12,58
